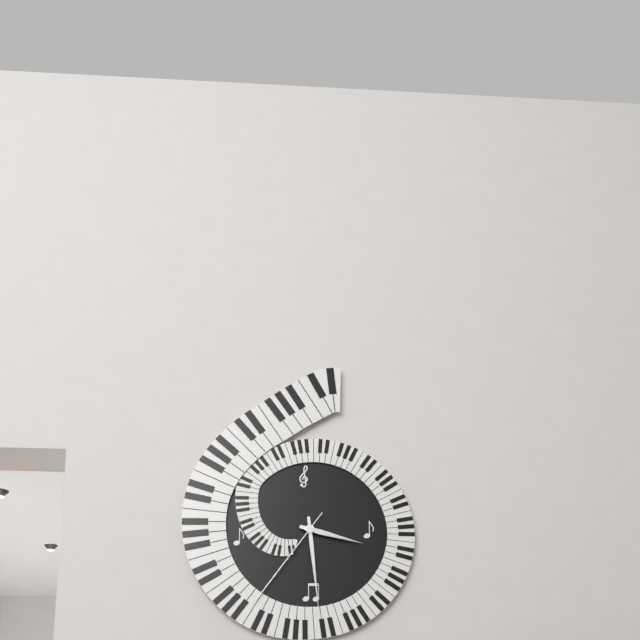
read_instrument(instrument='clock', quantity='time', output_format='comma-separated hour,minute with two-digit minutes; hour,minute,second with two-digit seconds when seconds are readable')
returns 3,29,36
